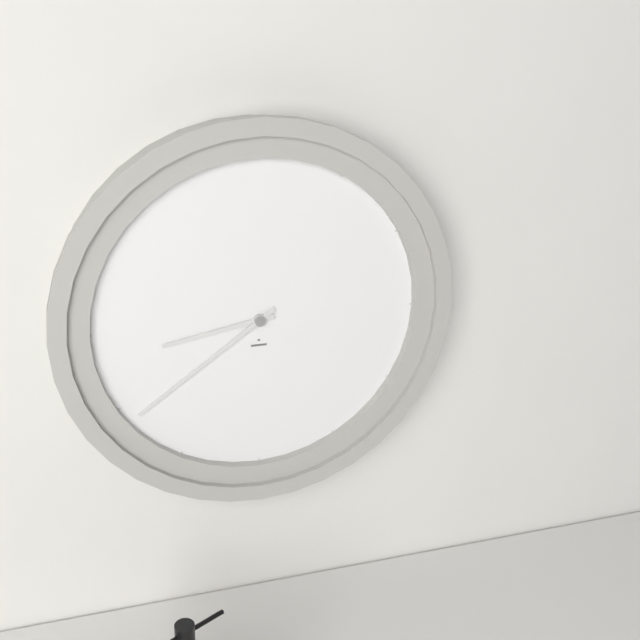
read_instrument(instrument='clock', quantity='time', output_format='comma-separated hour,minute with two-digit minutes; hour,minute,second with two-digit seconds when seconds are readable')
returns 8,39
